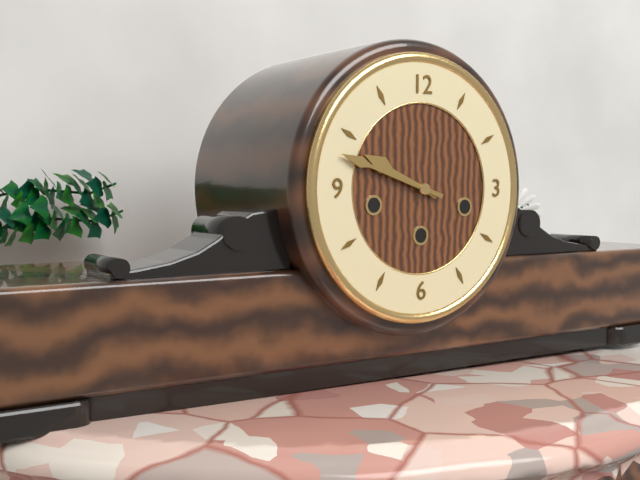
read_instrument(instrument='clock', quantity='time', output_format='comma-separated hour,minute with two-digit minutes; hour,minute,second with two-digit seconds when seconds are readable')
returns 9,48
